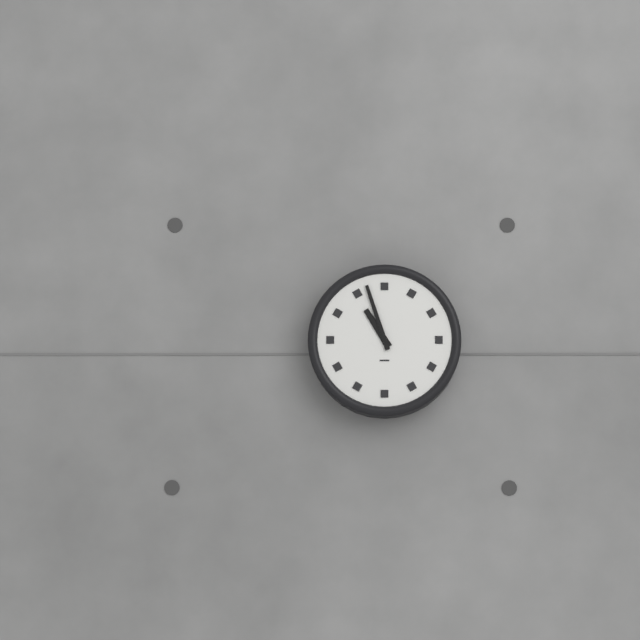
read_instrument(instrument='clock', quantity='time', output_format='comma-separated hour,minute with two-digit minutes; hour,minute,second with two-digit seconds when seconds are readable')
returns 10,57
